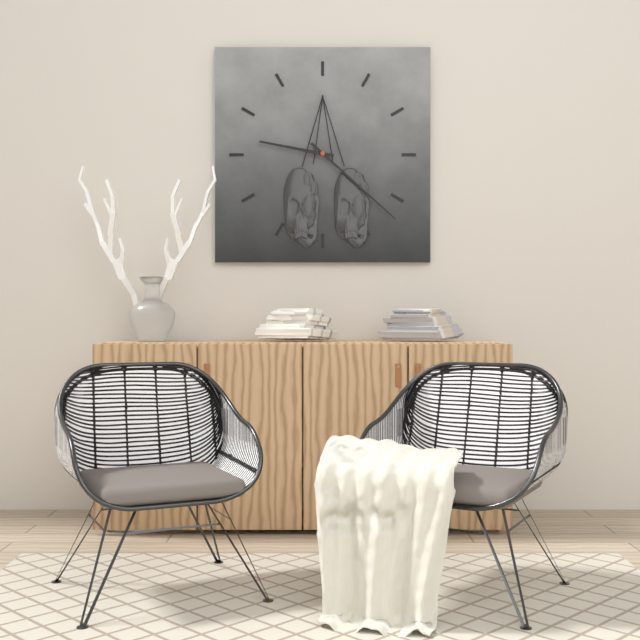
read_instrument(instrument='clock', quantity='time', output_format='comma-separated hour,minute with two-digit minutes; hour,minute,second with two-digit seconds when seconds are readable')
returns 9,22
